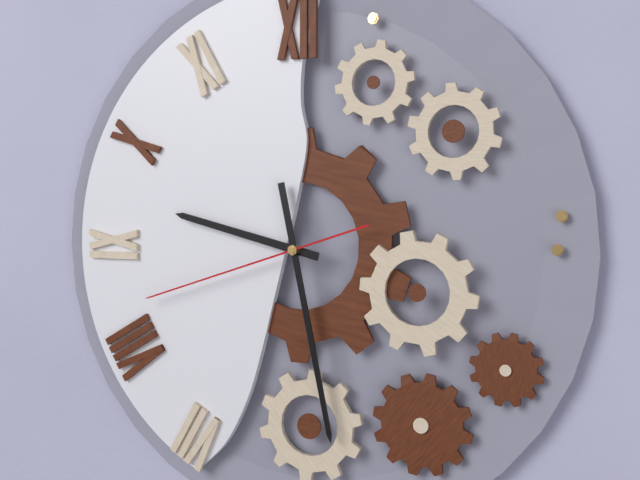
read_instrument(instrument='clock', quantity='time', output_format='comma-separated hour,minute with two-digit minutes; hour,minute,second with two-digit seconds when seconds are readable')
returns 9,28,42
